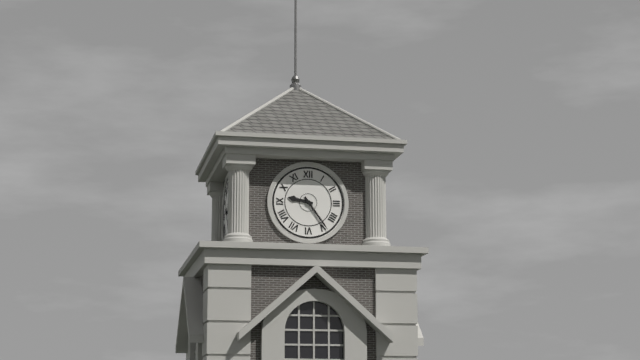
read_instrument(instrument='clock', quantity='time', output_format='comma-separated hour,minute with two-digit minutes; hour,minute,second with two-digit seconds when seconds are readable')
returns 9,24
